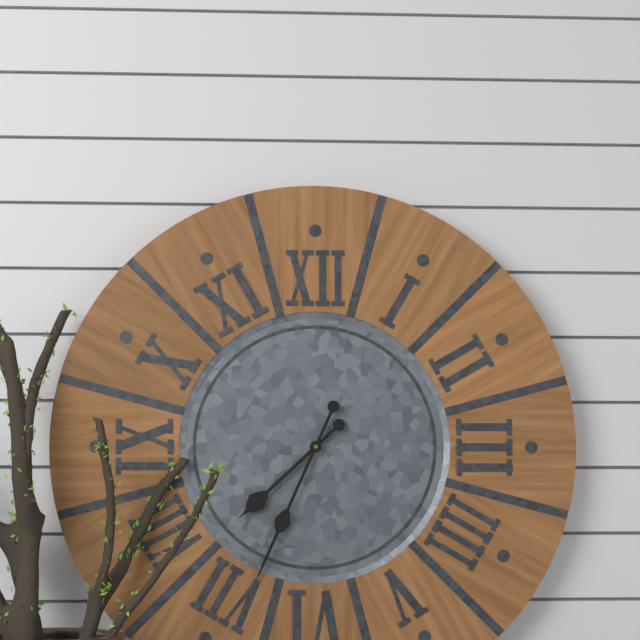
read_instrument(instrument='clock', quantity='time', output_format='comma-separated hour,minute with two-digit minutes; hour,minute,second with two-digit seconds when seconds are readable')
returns 7,34
